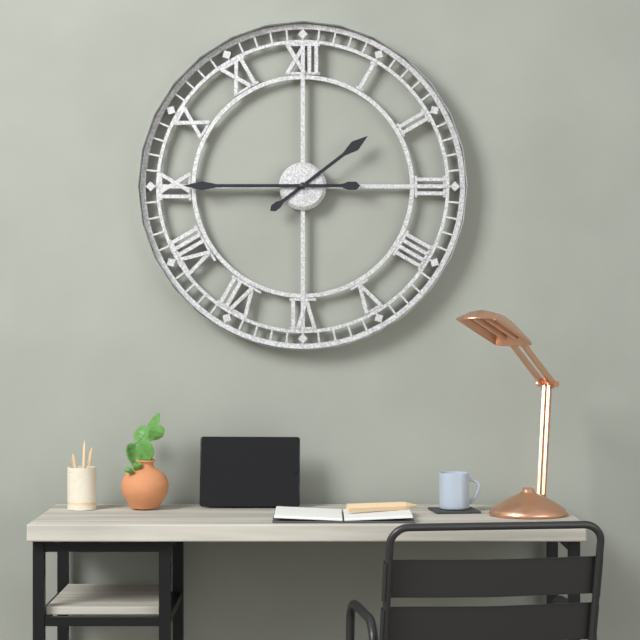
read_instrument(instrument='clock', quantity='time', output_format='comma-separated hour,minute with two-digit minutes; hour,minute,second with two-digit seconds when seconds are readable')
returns 1,45
